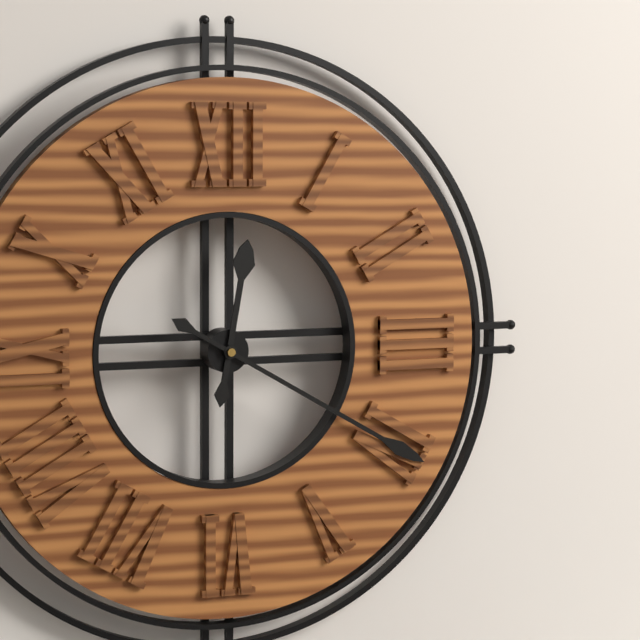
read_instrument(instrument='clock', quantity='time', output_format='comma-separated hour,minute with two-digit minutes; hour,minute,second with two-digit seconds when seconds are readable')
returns 12,20
